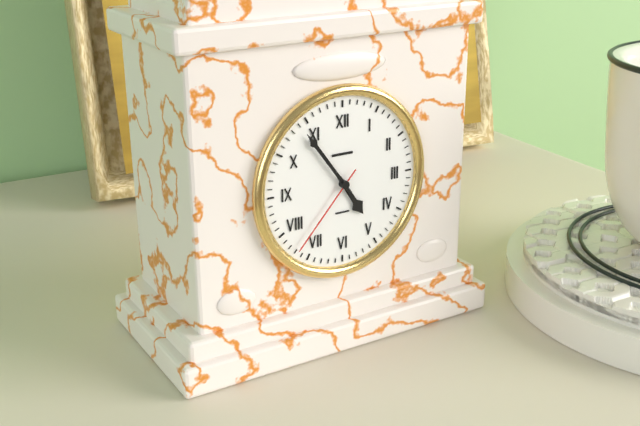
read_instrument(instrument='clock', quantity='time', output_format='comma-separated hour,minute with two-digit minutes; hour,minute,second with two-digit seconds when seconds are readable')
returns 4,54,37
